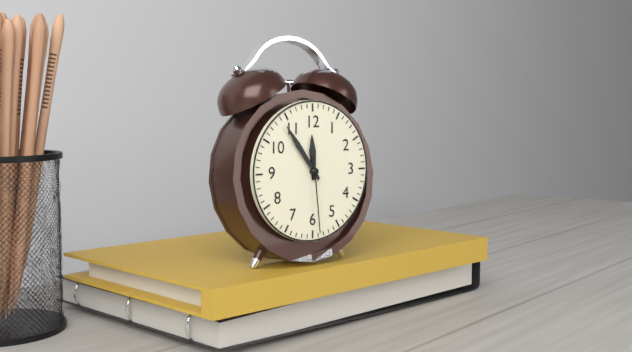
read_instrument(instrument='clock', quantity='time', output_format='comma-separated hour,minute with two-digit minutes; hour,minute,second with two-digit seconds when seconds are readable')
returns 11,54,29
